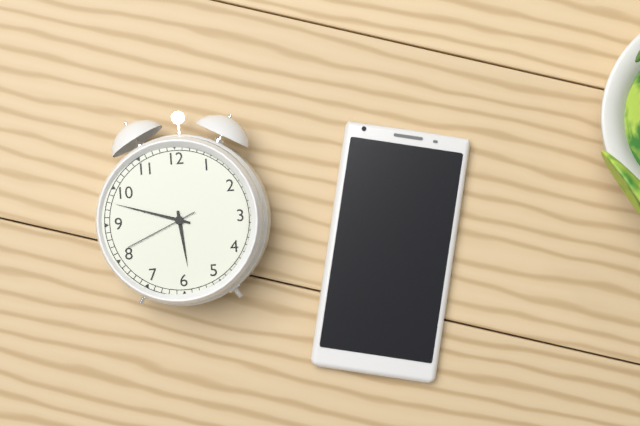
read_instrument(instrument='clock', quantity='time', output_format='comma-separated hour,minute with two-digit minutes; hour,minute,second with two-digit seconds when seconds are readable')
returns 5,48,41
